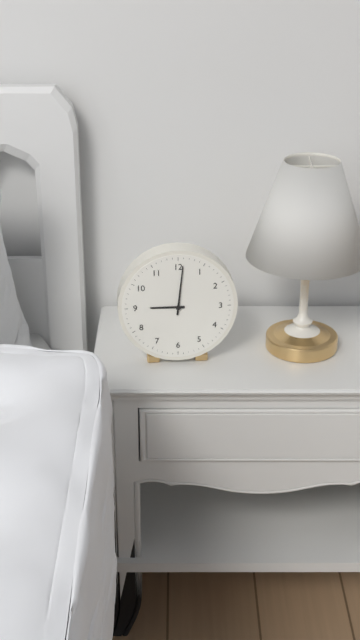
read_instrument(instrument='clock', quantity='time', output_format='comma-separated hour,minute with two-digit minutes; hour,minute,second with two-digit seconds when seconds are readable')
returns 9,01
